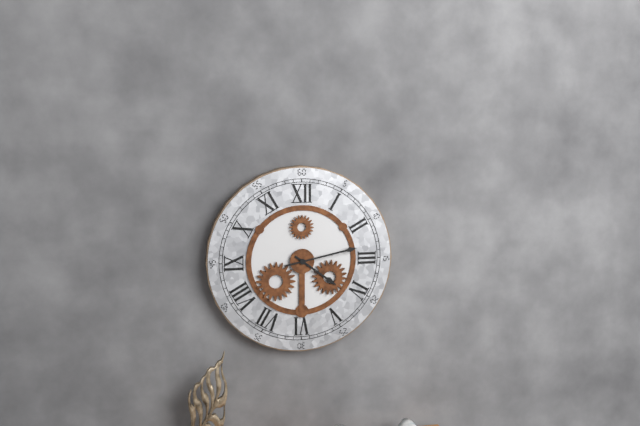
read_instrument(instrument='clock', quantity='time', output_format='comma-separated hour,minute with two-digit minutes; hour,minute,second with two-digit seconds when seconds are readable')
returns 4,13
